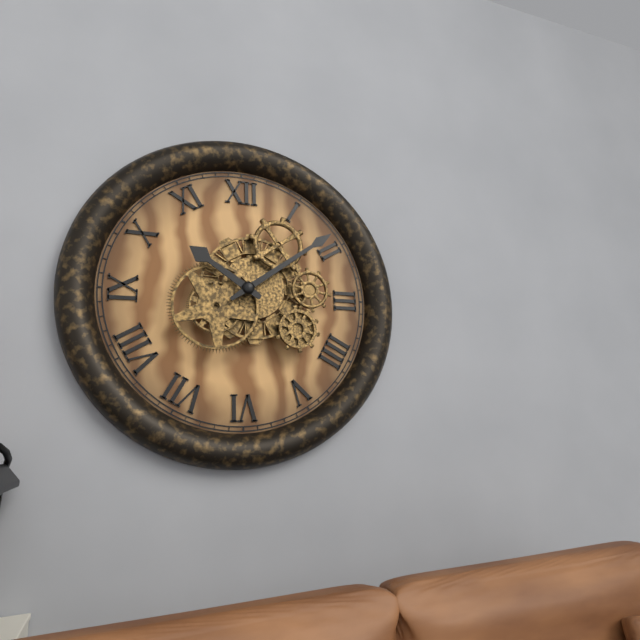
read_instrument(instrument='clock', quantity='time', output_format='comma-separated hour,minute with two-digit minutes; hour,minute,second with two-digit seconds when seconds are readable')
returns 10,09
